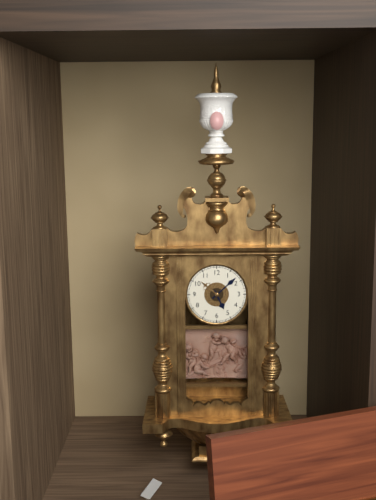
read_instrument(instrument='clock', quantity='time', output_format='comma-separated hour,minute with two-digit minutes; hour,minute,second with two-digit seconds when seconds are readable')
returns 5,08
